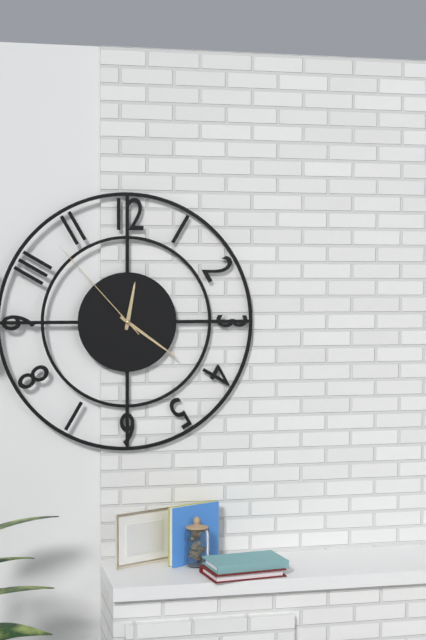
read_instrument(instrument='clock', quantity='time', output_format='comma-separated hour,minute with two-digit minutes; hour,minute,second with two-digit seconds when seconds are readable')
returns 12,21,53
